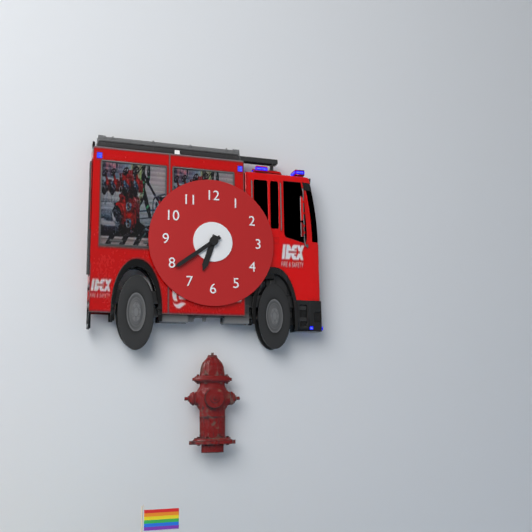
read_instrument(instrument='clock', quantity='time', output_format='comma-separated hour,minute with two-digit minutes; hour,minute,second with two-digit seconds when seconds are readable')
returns 6,39
